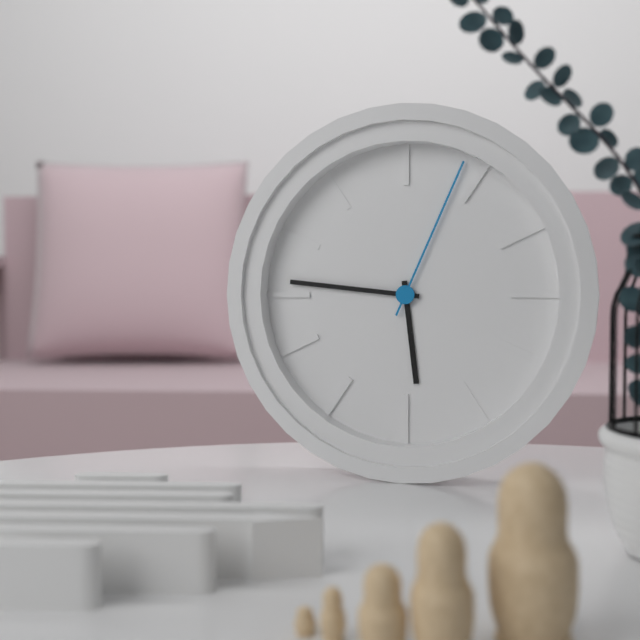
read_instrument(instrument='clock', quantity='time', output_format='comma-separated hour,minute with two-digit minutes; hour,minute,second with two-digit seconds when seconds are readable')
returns 5,46,04
